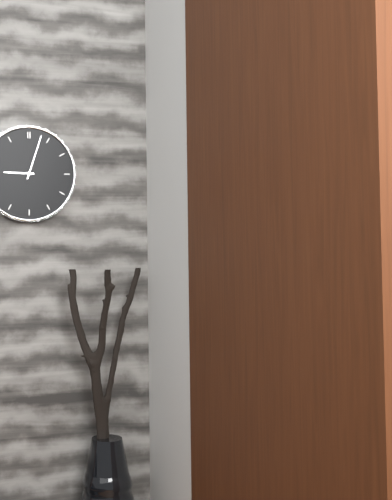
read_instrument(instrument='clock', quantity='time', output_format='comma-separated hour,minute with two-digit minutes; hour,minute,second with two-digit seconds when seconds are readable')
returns 9,03
